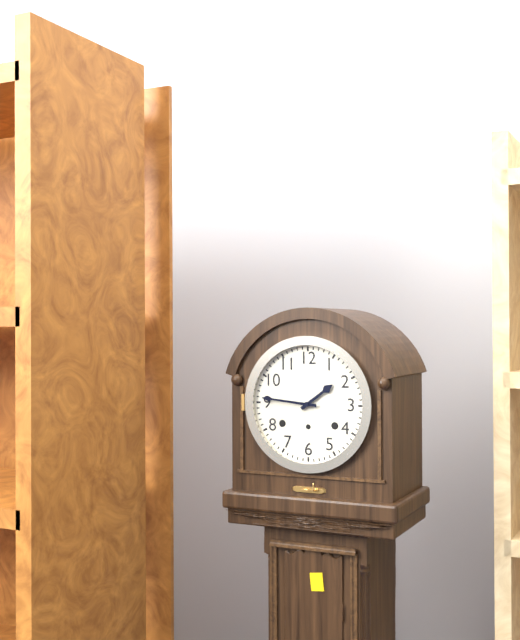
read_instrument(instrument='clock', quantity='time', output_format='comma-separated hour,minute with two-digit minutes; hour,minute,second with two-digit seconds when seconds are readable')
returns 1,46
